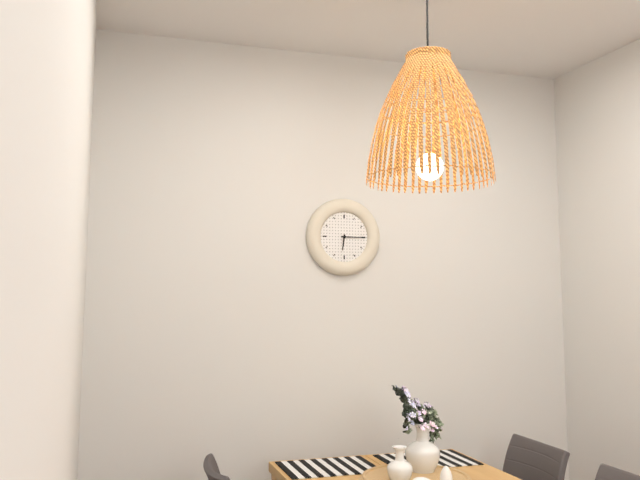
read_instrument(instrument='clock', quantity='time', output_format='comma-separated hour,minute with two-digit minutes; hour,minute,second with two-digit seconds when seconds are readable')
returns 6,15
